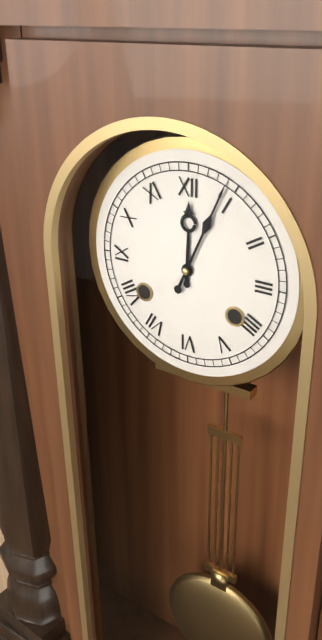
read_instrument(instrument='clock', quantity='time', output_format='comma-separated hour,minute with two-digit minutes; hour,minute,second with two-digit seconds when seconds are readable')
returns 12,04
